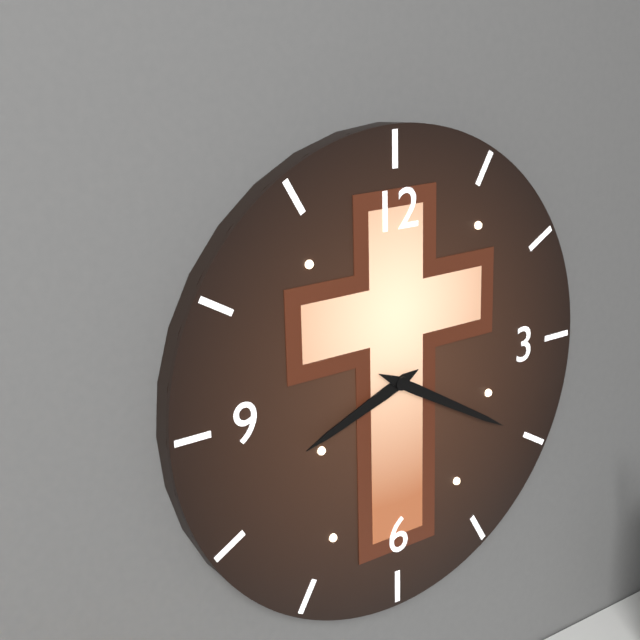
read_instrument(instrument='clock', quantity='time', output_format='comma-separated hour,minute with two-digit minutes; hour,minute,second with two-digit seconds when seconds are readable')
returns 8,20
